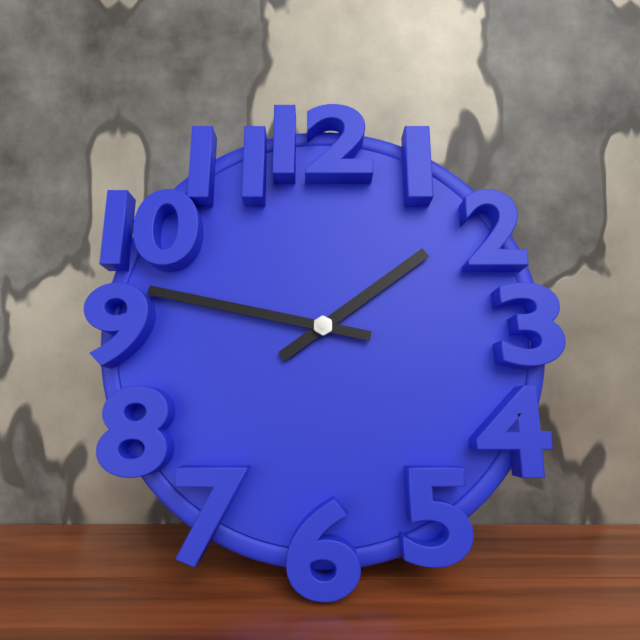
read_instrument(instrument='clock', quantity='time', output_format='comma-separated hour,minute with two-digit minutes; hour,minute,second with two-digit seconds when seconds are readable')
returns 1,47
